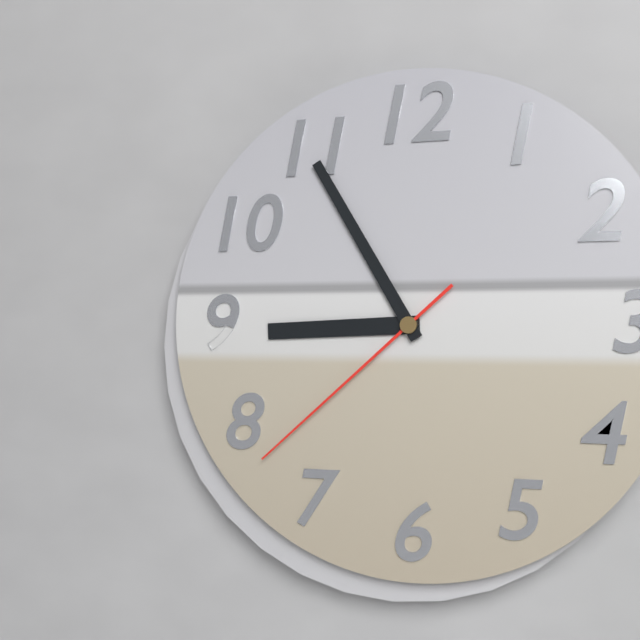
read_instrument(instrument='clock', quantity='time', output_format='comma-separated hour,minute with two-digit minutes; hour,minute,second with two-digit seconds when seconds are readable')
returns 8,55,38
